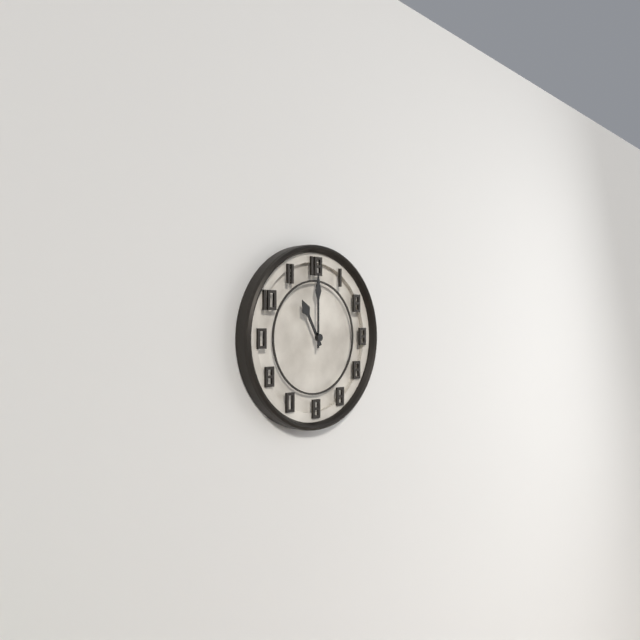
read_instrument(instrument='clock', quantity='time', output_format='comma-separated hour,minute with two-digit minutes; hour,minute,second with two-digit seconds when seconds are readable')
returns 11,00
